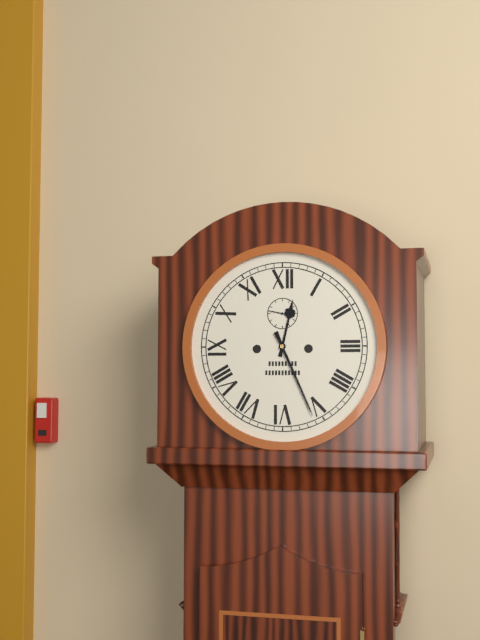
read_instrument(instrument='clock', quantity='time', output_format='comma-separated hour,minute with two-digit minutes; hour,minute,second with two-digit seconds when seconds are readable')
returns 12,26
